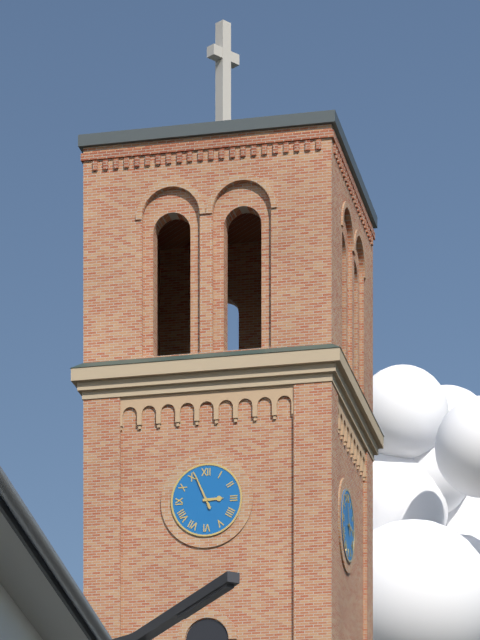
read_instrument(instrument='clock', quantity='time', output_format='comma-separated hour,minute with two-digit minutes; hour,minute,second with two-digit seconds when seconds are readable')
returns 2,56
